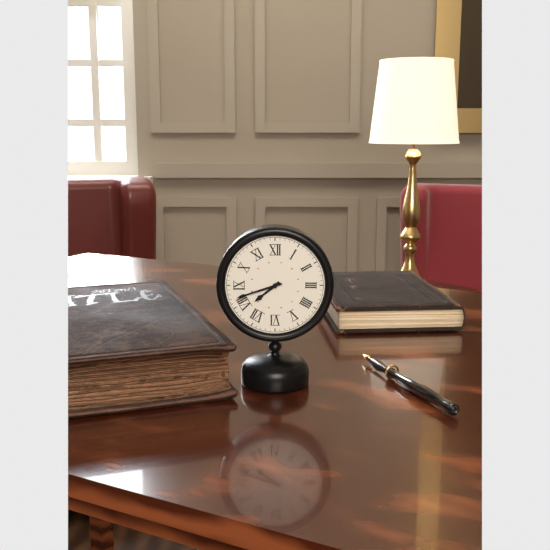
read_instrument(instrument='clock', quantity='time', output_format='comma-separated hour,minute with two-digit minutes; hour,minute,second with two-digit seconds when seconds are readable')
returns 7,42
